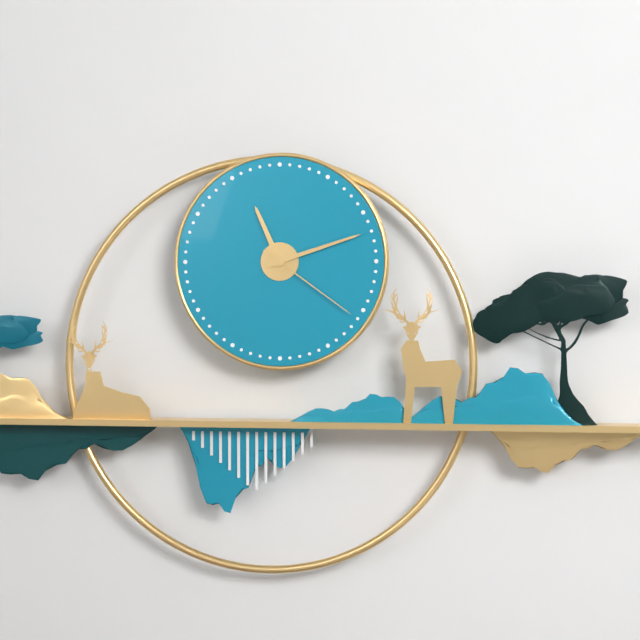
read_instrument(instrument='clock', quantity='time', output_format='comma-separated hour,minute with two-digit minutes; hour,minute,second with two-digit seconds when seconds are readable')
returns 11,12,21
